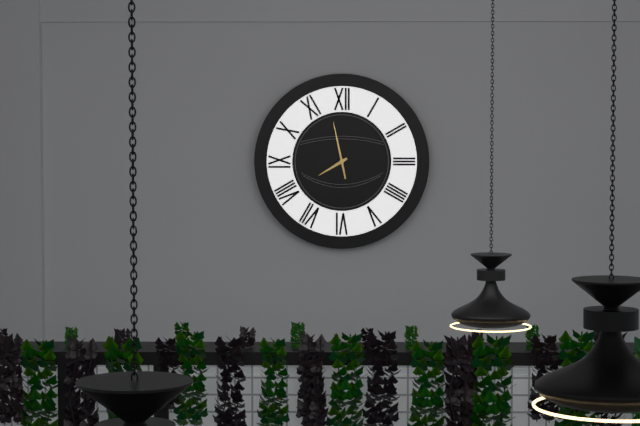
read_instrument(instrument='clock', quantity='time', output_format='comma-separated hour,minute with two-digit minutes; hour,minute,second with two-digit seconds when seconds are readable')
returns 7,58
